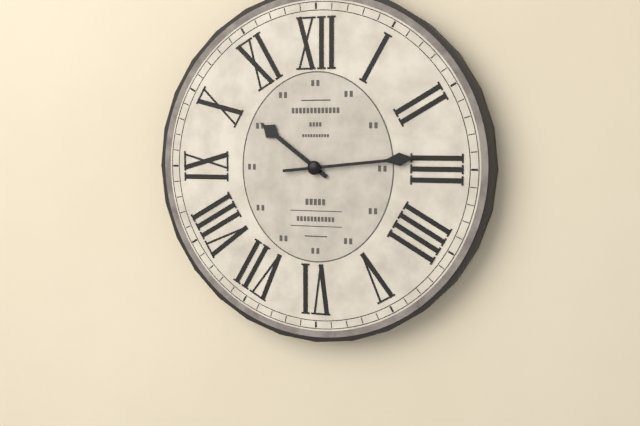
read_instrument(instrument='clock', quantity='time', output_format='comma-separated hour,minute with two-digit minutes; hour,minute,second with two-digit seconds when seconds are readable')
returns 10,14
